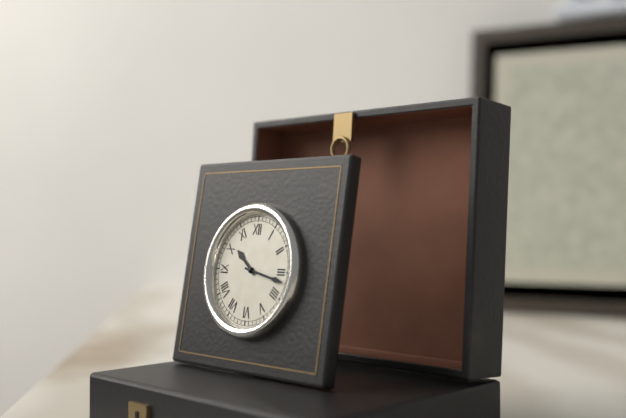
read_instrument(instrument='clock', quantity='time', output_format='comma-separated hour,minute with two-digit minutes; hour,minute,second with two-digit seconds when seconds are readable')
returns 10,17
